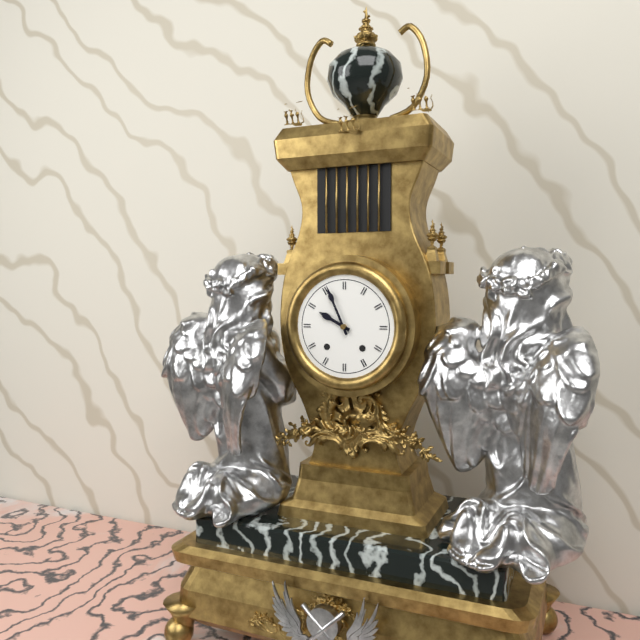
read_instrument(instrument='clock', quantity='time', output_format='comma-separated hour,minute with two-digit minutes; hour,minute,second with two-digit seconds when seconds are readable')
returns 9,56
